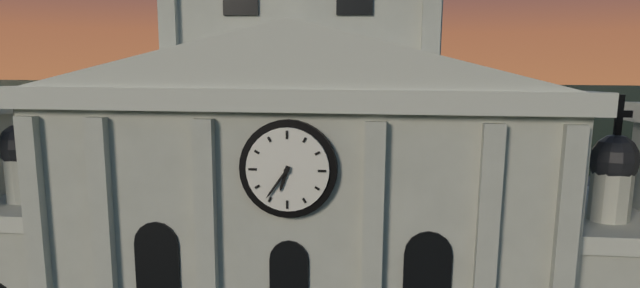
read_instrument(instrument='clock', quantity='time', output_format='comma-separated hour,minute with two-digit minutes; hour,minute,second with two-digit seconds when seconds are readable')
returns 6,36
